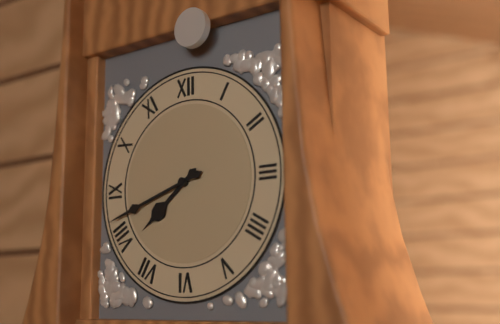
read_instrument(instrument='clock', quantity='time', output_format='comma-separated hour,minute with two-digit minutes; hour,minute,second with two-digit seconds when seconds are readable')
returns 7,42
